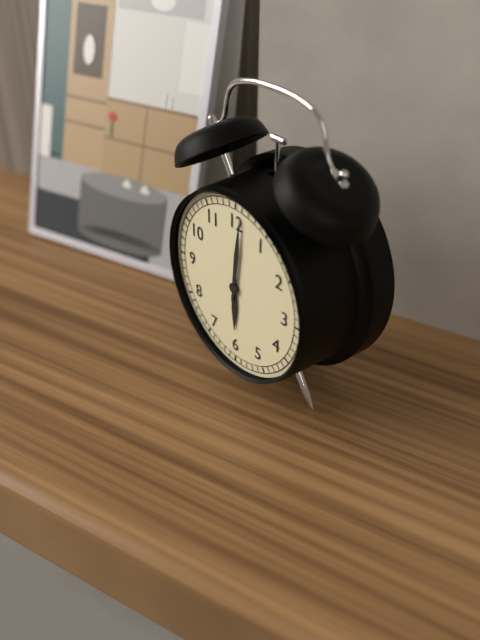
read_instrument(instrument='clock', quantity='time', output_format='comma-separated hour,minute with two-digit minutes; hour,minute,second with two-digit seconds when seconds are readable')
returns 6,01
